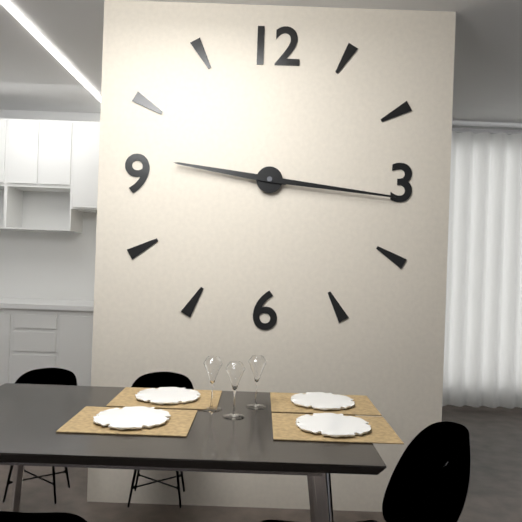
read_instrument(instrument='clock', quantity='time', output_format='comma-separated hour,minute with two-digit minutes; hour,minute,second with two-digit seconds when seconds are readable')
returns 9,16
